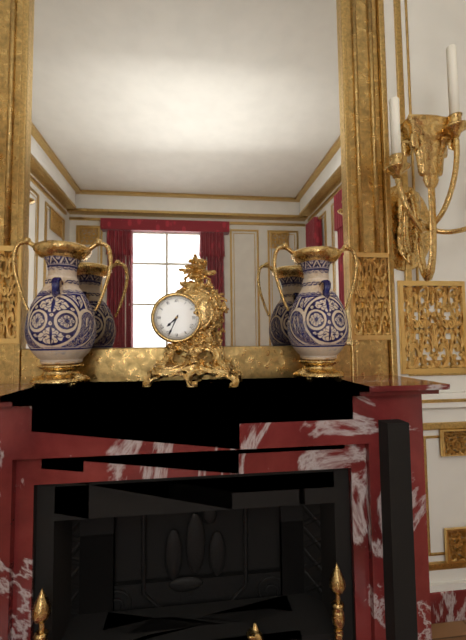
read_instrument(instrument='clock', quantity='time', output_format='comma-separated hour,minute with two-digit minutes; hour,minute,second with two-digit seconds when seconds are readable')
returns 7,34
